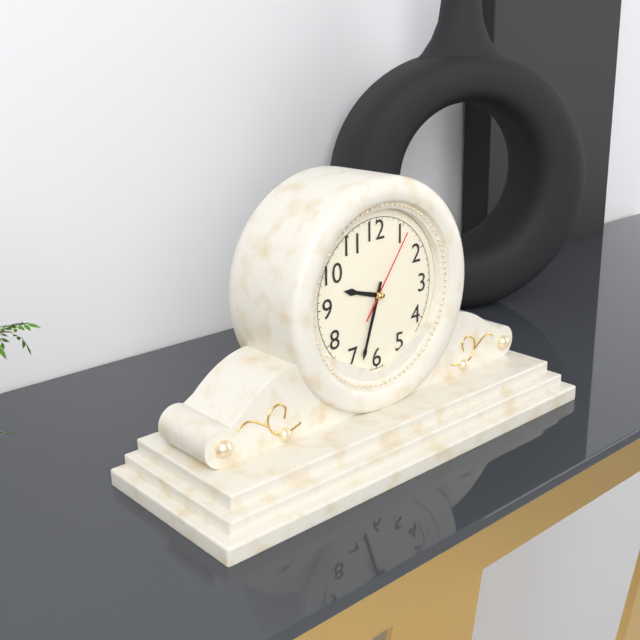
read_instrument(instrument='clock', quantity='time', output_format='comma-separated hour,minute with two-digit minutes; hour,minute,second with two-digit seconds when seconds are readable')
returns 9,33,06
